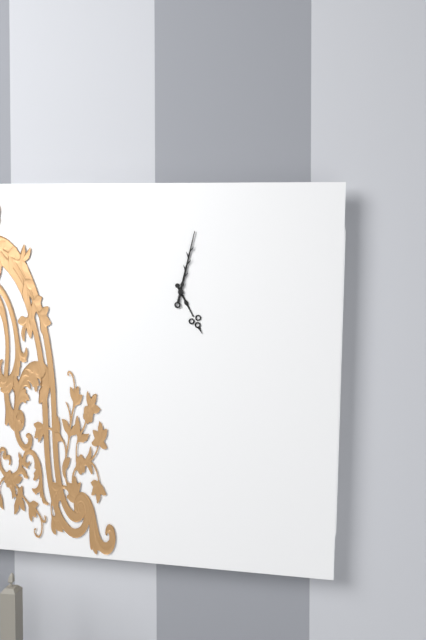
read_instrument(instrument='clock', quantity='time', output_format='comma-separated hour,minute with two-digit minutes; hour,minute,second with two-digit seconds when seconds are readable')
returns 5,02
